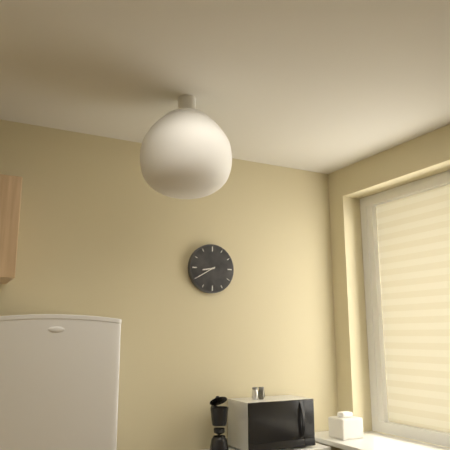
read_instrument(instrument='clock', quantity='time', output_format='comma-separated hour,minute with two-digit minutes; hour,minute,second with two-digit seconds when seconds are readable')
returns 8,40
